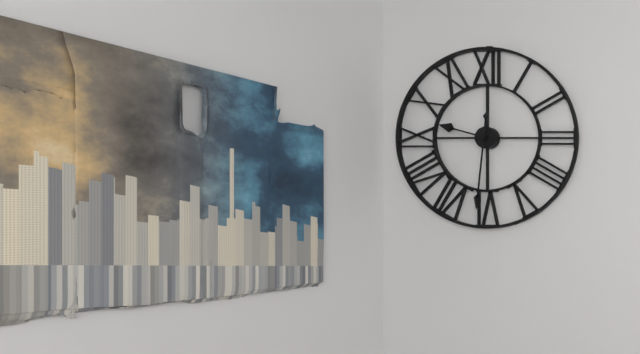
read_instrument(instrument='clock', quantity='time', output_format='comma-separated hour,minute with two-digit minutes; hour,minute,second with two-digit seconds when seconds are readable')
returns 9,31
